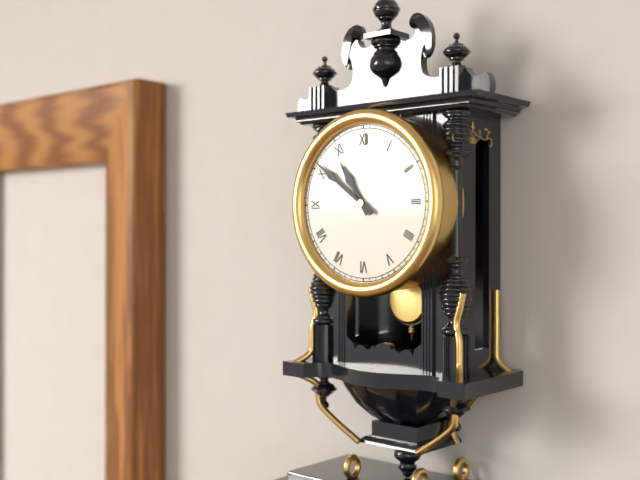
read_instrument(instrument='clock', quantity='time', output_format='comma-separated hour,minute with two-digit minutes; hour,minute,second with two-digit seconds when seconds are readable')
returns 10,51
